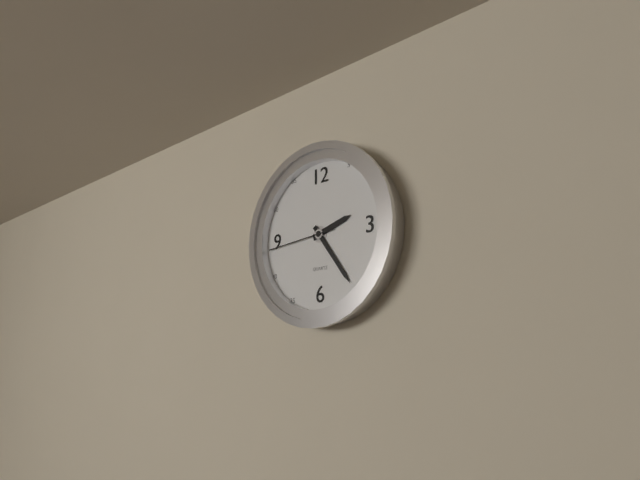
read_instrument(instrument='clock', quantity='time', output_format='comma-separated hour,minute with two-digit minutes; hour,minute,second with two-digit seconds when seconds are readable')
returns 2,24,44
